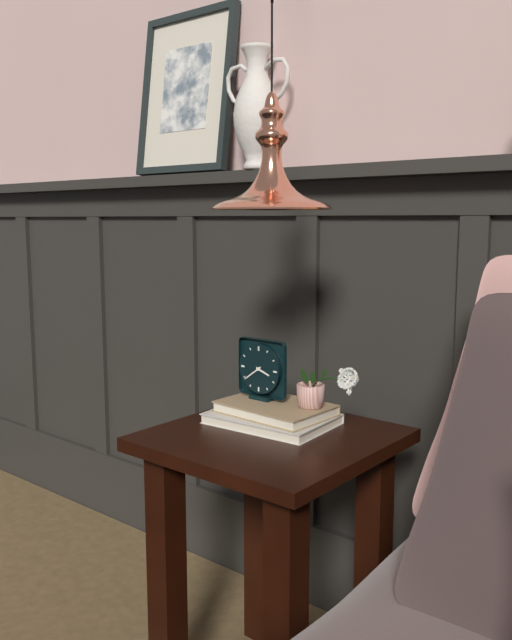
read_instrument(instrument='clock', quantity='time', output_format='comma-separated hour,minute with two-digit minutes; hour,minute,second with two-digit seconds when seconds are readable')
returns 3,39
